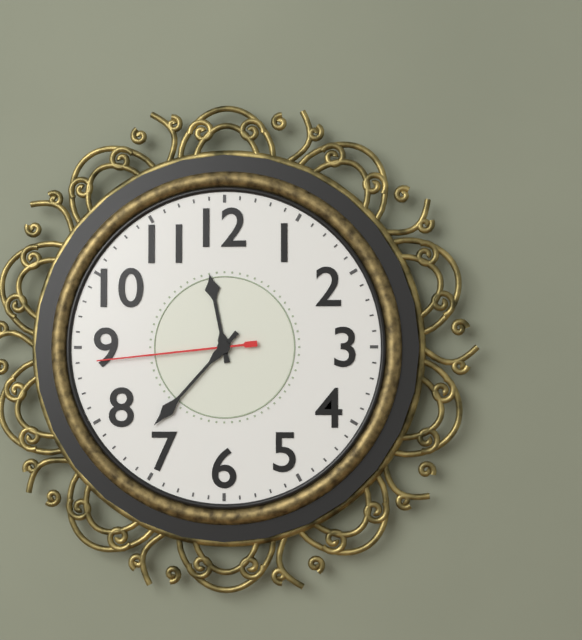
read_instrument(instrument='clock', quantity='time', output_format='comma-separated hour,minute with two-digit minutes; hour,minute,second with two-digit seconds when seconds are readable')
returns 11,37,44
